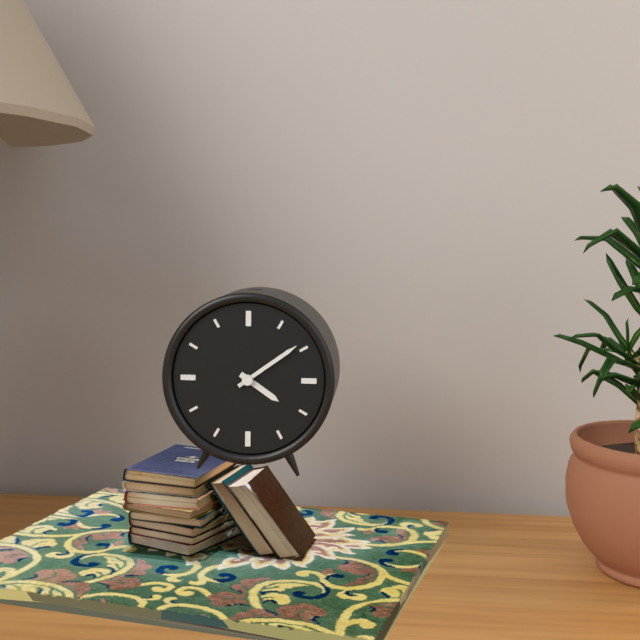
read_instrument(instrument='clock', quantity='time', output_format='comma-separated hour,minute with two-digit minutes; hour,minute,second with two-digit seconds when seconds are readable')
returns 4,09
